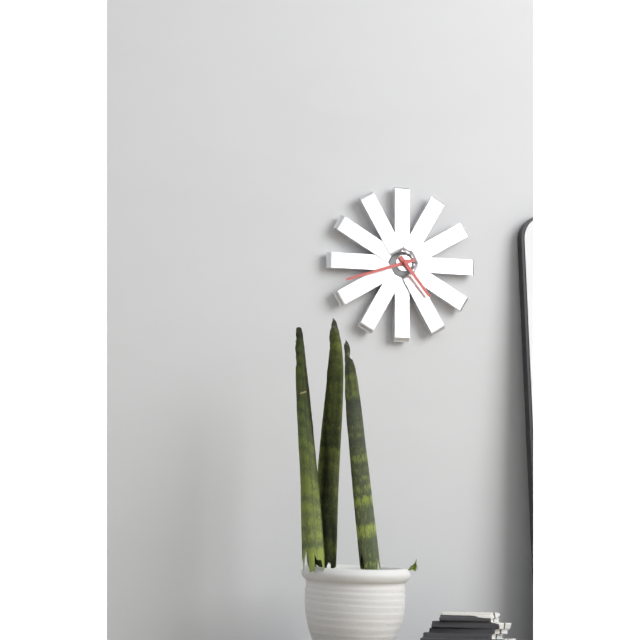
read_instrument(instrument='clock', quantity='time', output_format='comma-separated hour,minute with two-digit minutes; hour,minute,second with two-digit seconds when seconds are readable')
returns 4,42
